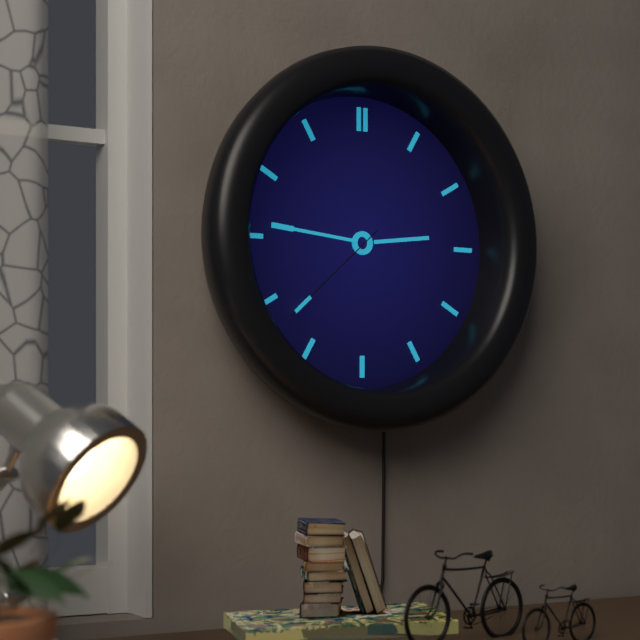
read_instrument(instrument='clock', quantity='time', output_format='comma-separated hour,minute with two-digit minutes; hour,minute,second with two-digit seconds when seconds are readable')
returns 2,46,38
